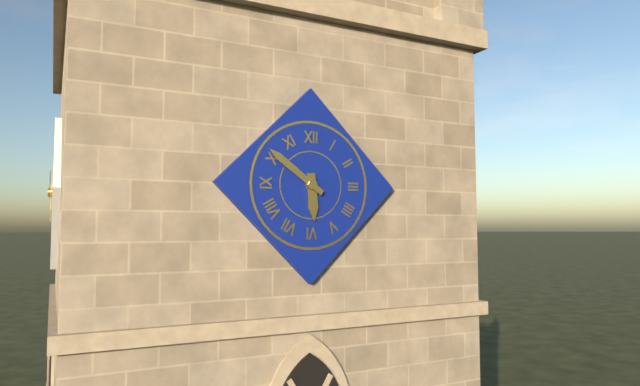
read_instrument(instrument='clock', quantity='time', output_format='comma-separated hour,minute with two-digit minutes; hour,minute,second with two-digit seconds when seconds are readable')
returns 5,51
